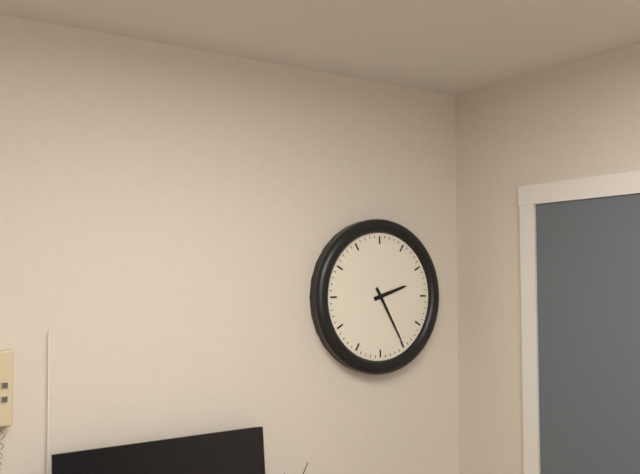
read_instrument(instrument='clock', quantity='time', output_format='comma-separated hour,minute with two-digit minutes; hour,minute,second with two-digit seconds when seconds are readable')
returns 2,25
